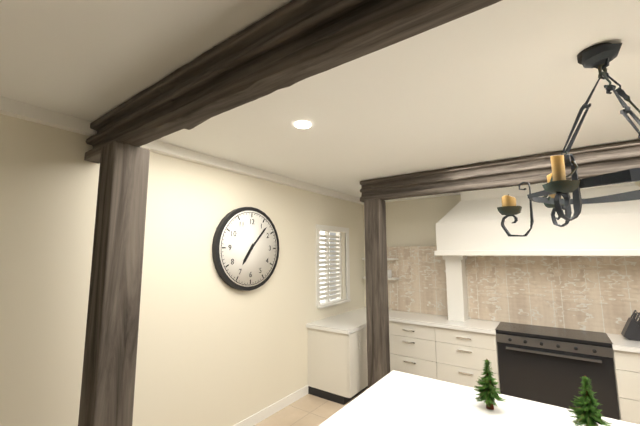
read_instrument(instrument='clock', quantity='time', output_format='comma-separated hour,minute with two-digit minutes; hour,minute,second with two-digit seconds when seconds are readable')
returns 7,07
